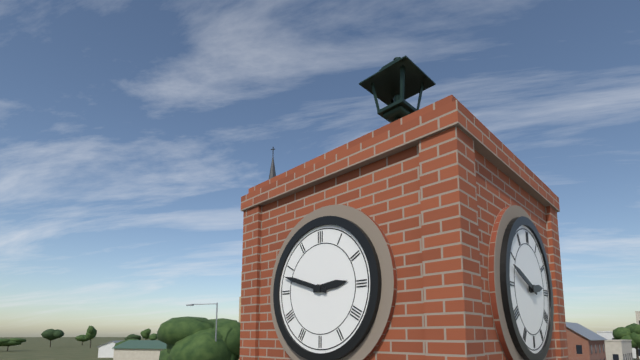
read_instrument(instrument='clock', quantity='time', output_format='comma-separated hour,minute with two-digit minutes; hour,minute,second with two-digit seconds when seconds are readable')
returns 2,48
